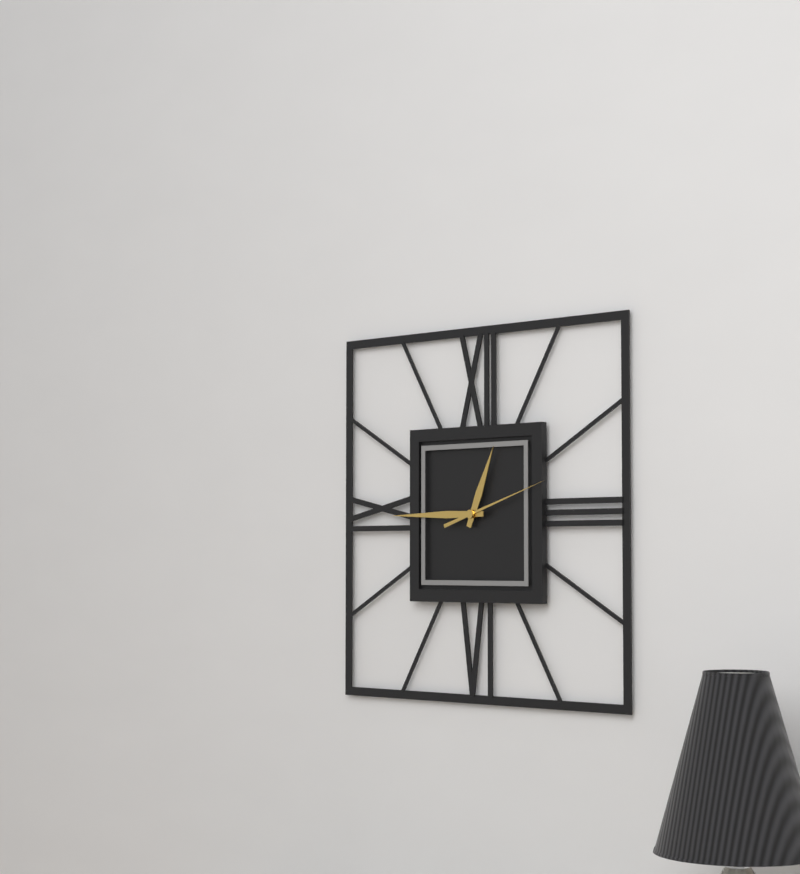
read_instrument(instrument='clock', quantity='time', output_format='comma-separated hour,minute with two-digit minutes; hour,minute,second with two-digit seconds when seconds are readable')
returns 12,45,12
